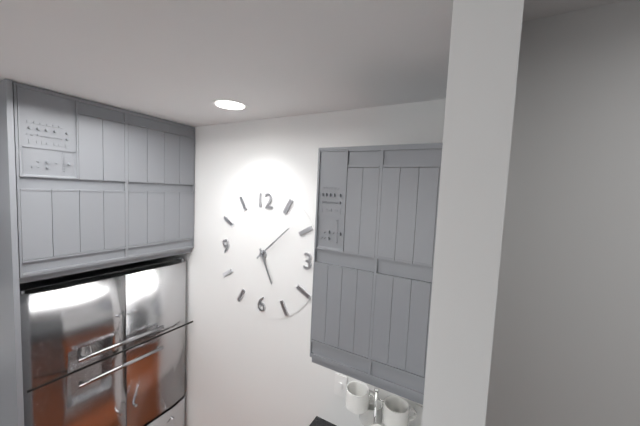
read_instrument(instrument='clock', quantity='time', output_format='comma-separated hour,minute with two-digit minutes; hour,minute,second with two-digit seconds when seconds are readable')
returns 5,08
